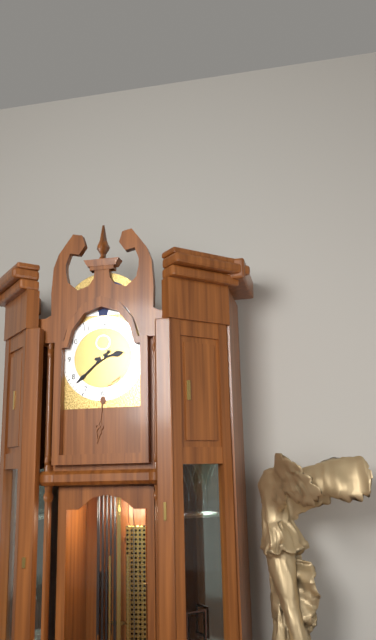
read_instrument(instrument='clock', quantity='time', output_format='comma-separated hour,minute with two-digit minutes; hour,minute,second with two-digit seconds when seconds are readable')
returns 2,38
